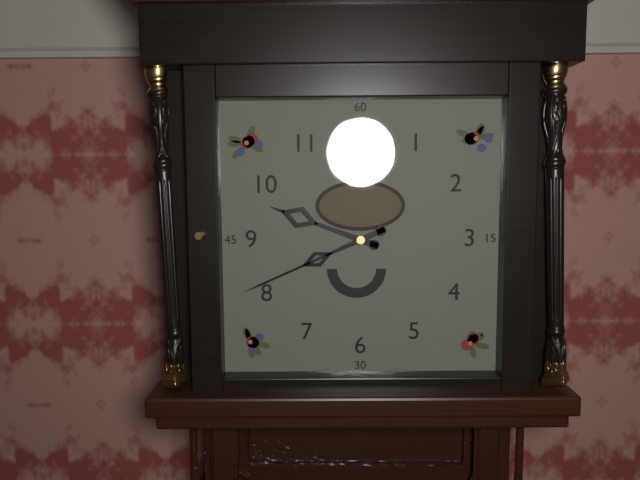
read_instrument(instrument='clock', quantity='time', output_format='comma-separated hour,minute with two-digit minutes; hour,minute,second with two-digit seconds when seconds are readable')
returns 9,41
